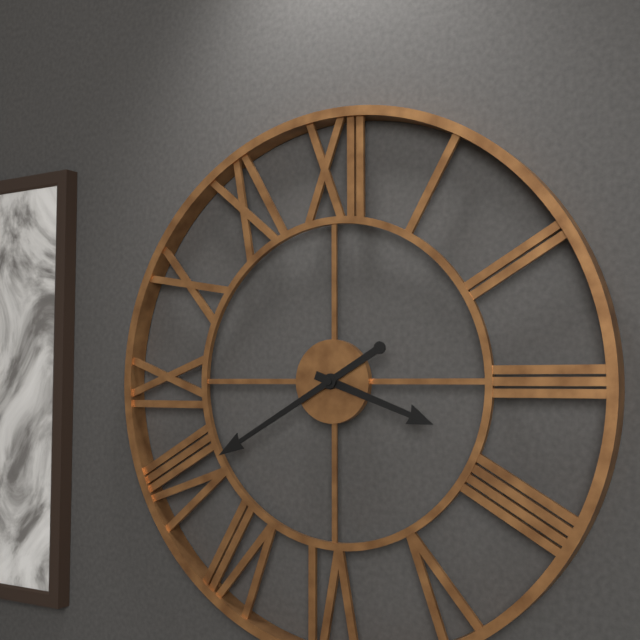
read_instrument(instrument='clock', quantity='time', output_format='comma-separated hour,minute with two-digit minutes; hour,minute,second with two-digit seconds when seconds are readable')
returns 3,40
